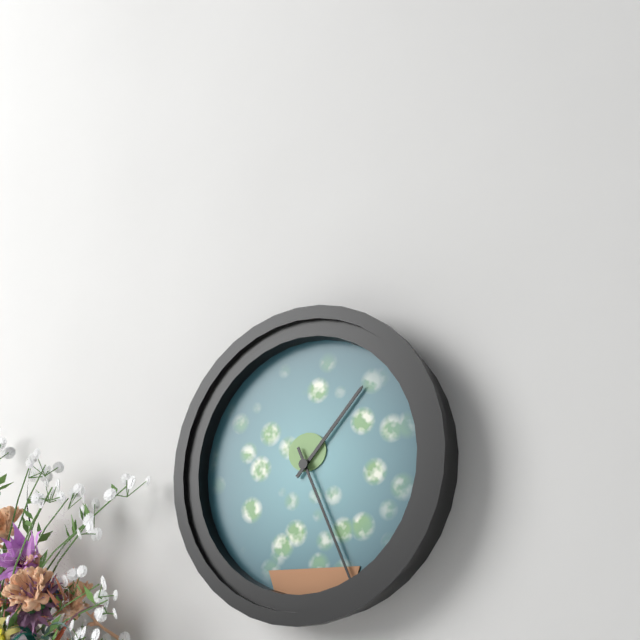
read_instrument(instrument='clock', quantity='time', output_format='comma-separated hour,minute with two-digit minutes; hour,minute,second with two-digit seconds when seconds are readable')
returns 1,26
